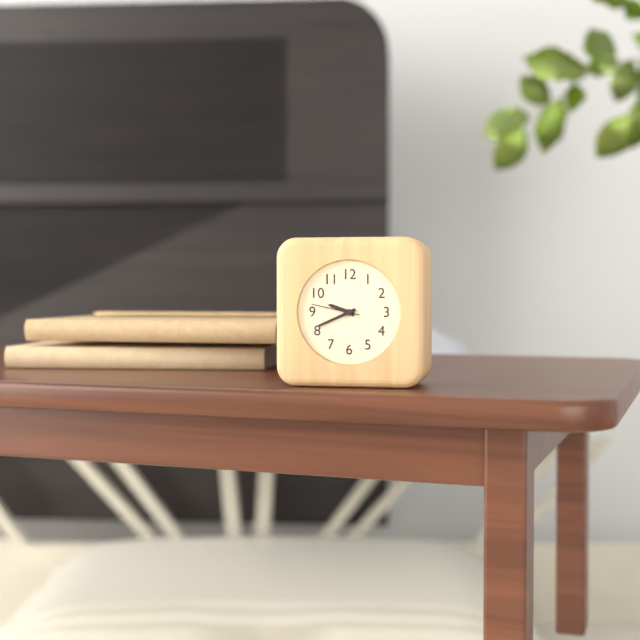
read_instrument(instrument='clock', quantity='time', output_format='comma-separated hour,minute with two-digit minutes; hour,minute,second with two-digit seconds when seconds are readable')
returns 9,41
